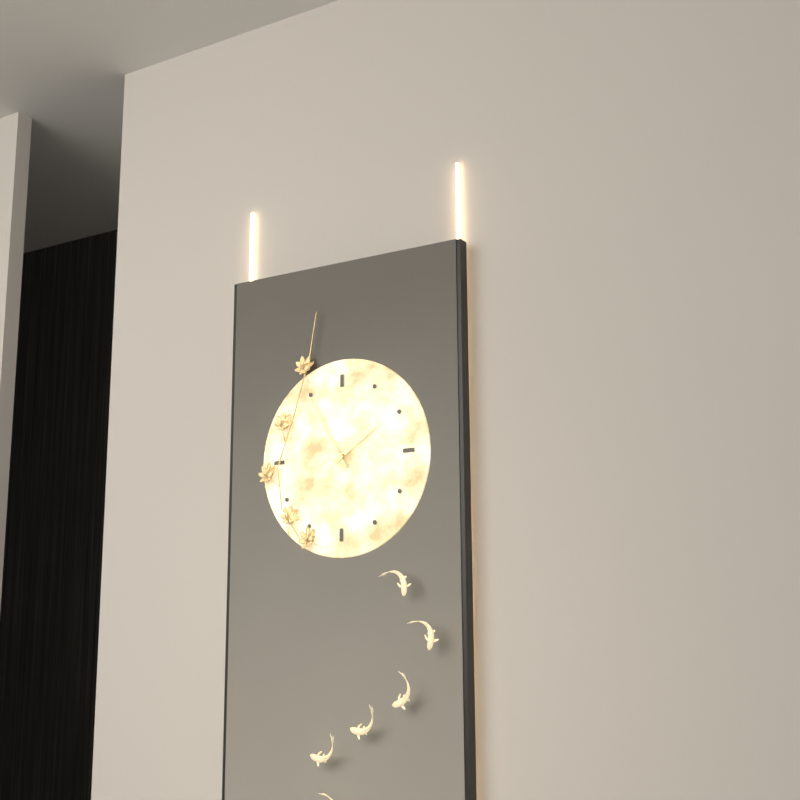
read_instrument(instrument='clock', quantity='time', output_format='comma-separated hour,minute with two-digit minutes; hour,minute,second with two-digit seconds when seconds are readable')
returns 1,55
